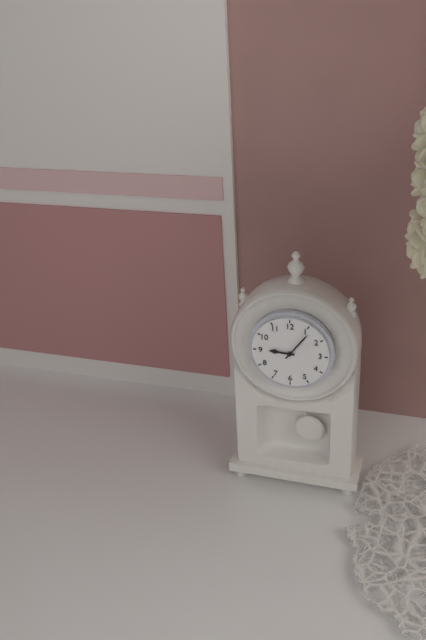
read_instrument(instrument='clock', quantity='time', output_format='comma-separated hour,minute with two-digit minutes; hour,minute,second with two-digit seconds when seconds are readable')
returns 9,06
